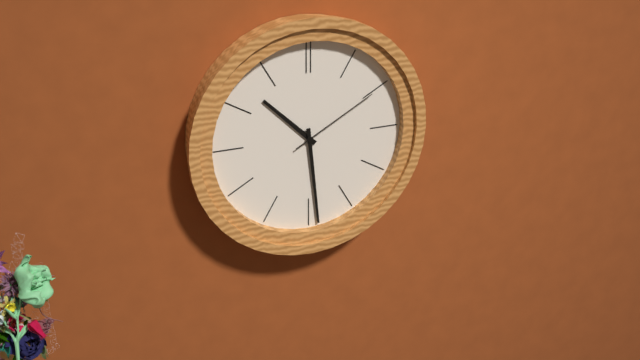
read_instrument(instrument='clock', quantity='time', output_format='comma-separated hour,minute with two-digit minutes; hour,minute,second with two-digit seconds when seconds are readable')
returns 10,29,10
